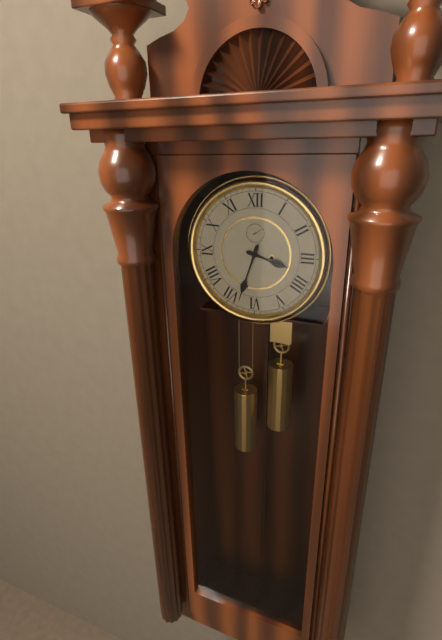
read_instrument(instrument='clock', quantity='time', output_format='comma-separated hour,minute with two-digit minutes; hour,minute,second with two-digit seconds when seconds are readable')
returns 3,33
